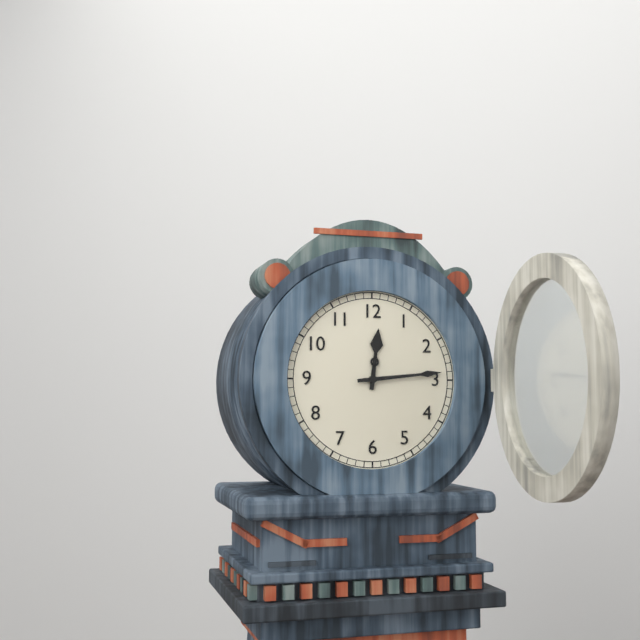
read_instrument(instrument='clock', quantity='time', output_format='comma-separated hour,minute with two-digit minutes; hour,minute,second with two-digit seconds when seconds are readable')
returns 12,14
